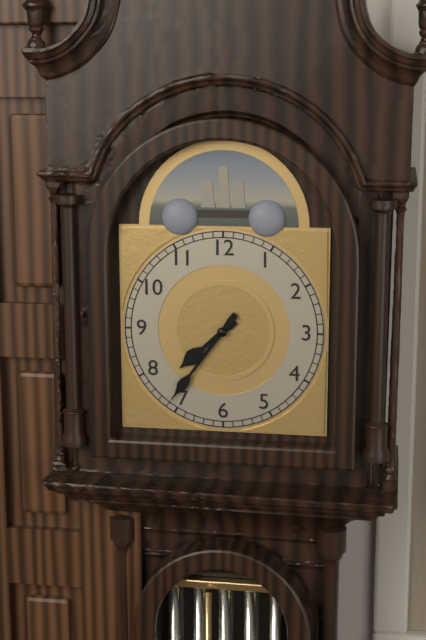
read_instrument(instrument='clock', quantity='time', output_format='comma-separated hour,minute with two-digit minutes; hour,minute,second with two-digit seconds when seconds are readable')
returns 7,36
